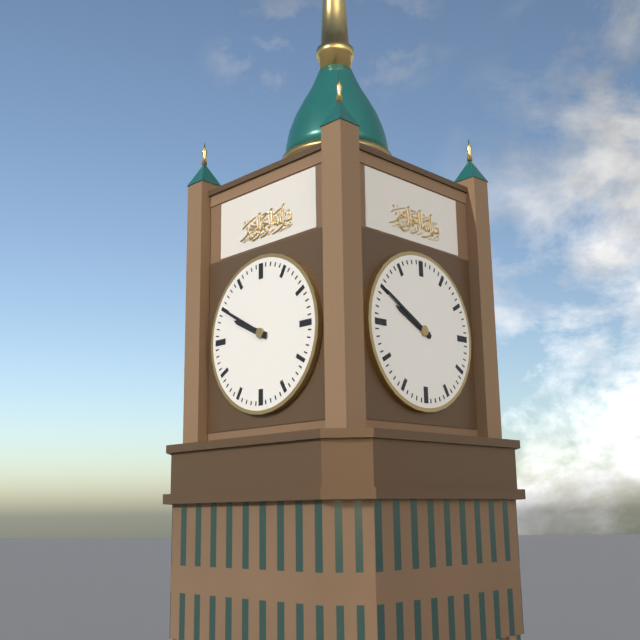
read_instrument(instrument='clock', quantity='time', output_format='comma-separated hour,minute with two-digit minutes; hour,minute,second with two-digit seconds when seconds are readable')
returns 9,50
